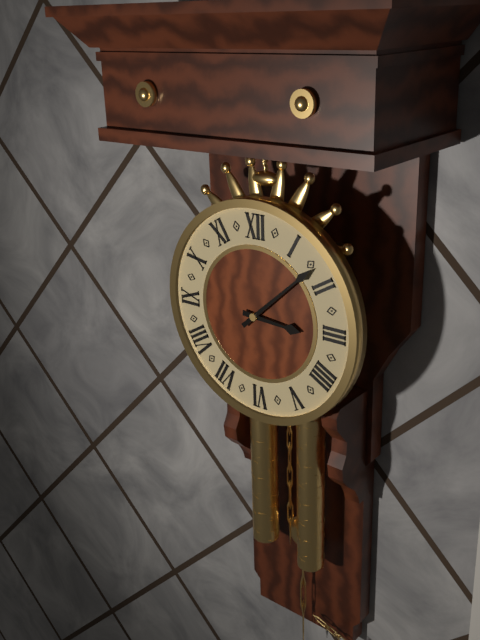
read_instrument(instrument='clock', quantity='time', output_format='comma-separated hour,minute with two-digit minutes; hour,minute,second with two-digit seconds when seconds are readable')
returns 3,08
